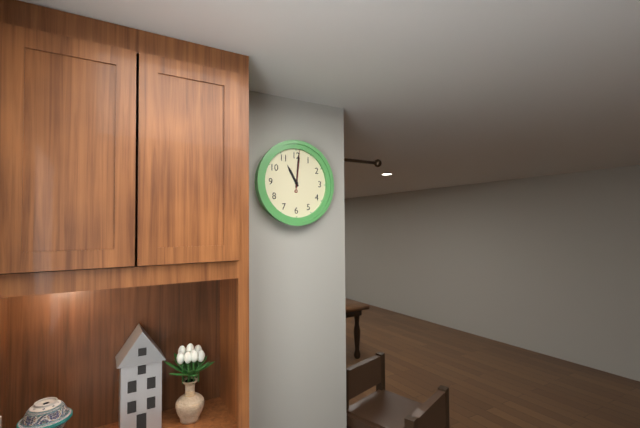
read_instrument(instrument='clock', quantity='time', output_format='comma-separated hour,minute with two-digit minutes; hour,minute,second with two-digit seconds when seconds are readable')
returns 11,01
